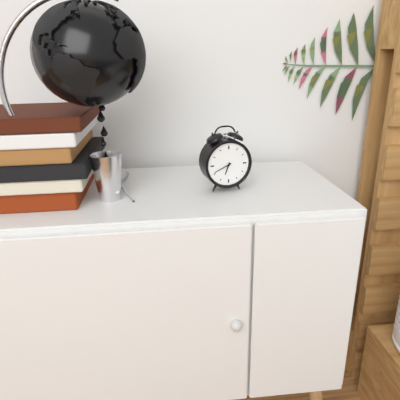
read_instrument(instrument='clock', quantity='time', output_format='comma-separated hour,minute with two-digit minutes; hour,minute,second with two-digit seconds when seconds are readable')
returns 6,41
